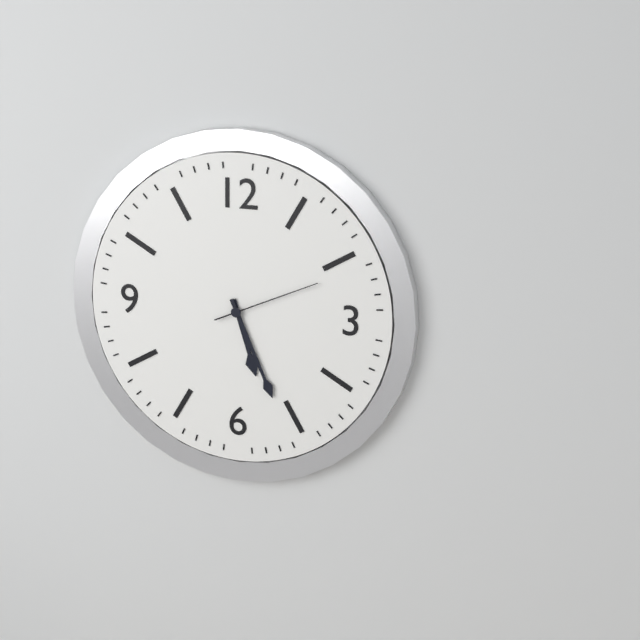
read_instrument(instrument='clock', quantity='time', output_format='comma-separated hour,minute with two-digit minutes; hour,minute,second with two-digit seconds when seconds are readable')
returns 5,26,11
